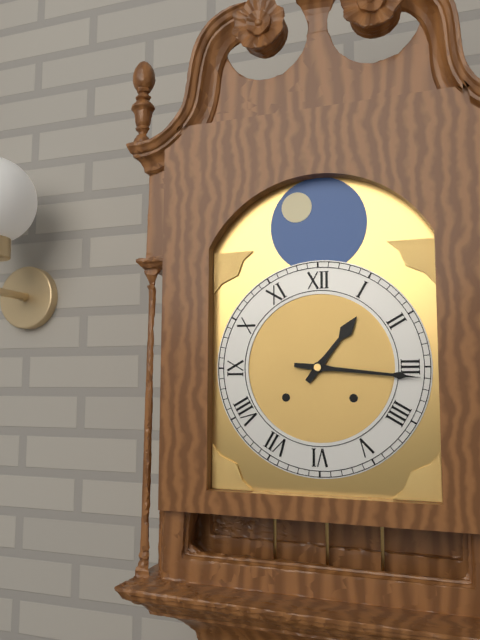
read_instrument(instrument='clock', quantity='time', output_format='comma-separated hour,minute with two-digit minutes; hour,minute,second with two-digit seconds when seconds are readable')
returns 1,16
